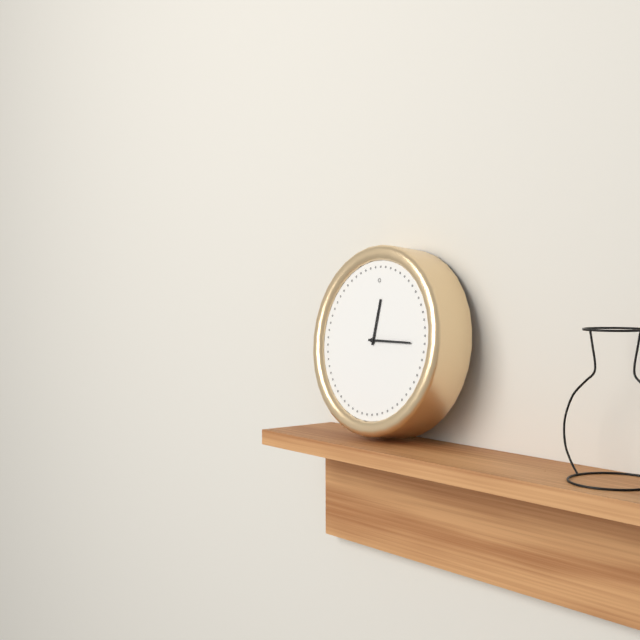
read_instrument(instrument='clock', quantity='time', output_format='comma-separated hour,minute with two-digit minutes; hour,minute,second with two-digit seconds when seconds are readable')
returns 12,15
